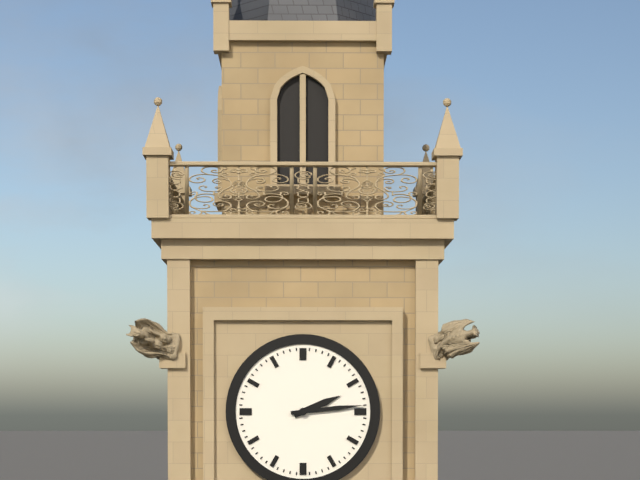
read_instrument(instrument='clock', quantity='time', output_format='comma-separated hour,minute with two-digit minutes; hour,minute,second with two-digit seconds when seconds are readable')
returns 2,14
